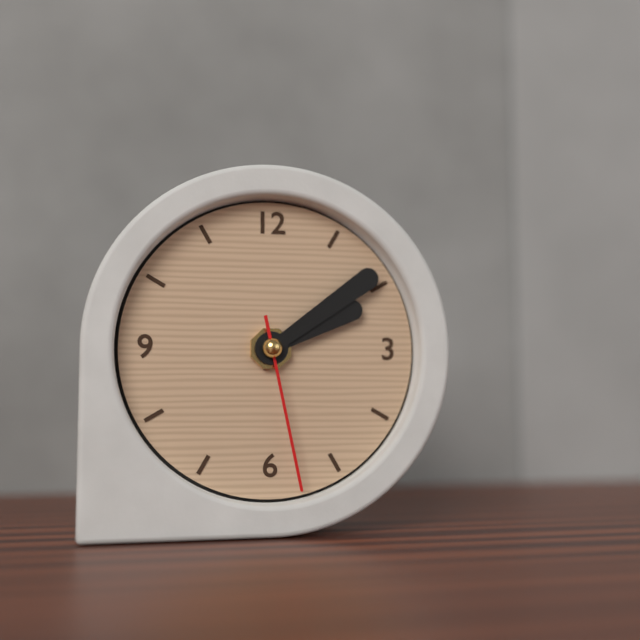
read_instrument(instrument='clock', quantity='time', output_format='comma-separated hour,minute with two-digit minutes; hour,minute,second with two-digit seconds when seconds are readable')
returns 2,09,28
